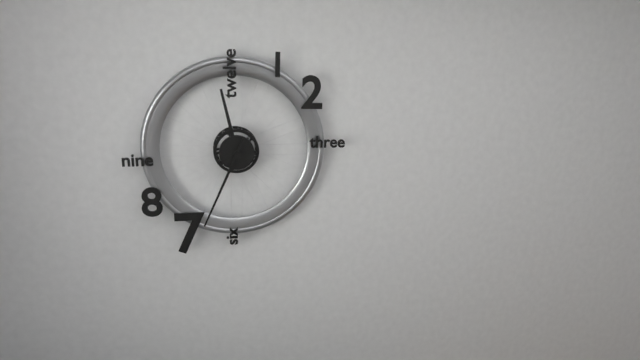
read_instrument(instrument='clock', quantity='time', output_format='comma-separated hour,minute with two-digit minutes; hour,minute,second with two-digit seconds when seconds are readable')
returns 11,34
